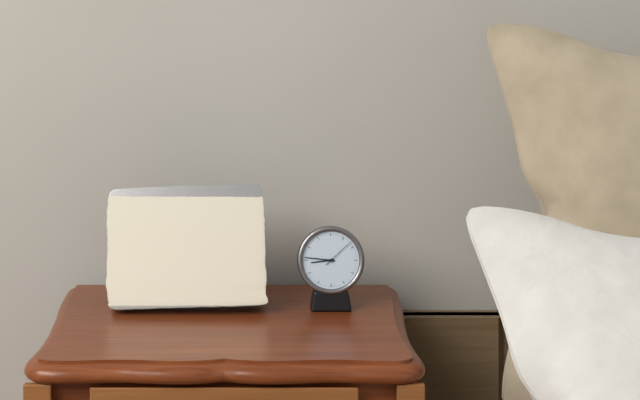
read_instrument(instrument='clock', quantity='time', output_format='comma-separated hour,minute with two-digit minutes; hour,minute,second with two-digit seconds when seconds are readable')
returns 8,46
